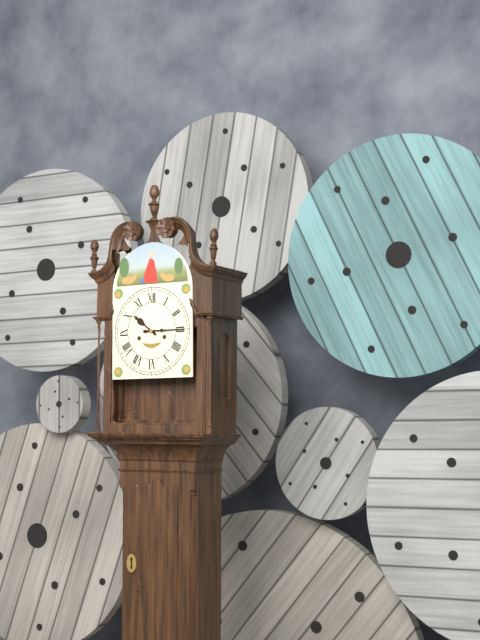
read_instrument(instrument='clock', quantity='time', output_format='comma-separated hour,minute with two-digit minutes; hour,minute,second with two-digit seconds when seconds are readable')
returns 10,15
